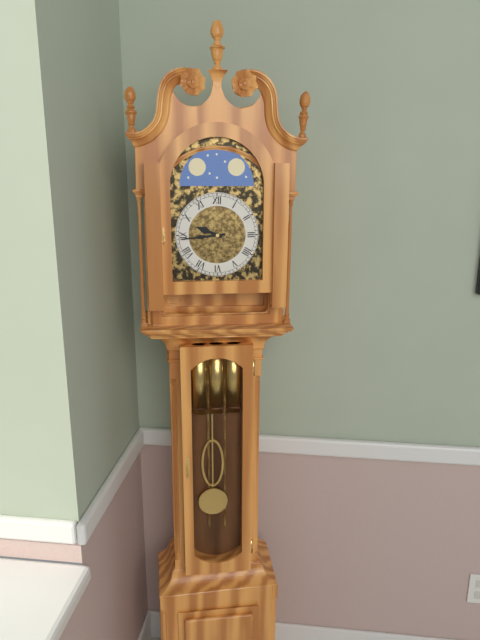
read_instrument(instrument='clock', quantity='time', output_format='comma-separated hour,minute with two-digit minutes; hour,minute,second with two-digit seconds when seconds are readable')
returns 9,44
